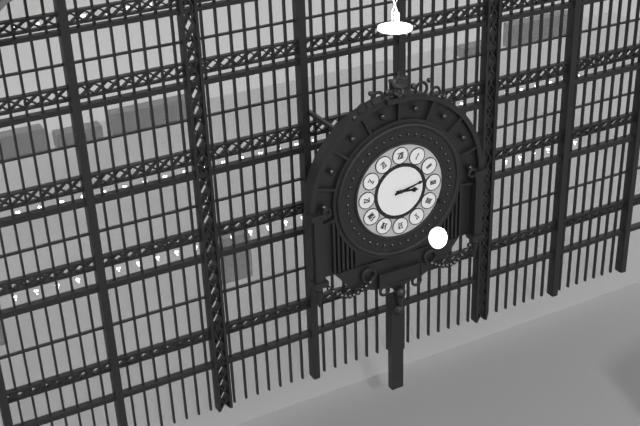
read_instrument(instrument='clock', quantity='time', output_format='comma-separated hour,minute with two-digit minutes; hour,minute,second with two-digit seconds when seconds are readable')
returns 3,13
